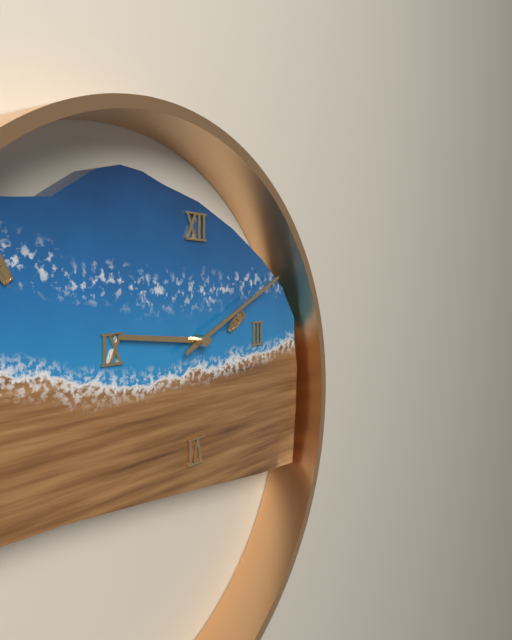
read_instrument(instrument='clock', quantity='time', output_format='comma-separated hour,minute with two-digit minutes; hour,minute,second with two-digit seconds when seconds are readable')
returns 9,11
